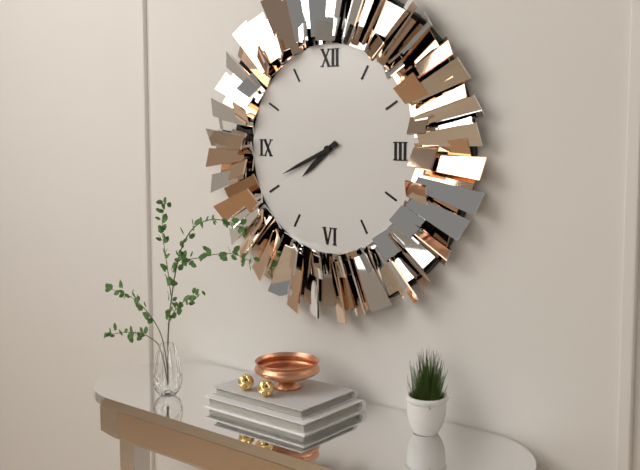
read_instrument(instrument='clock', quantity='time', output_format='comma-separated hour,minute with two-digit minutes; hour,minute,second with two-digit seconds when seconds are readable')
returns 7,41
